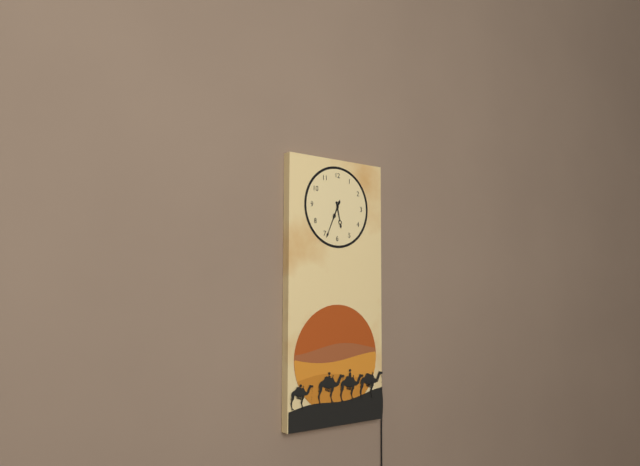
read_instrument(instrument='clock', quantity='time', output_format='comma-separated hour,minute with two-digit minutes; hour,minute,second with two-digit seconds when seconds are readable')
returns 5,34
